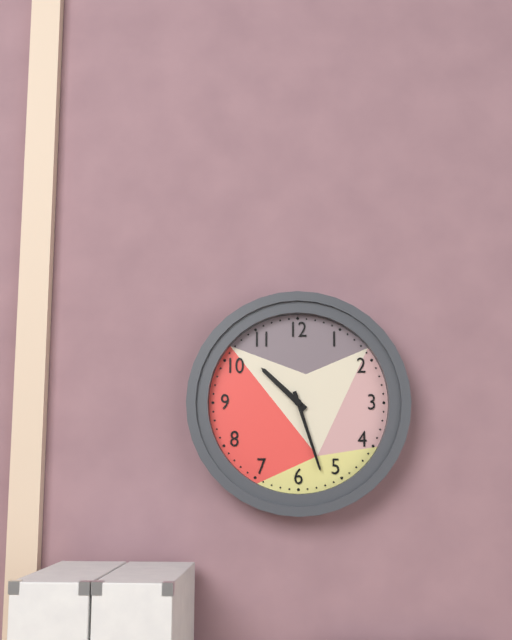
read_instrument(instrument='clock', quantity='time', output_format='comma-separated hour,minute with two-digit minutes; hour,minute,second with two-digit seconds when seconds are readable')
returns 10,27
